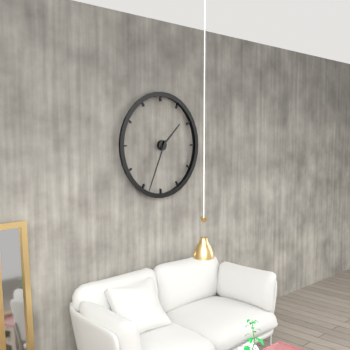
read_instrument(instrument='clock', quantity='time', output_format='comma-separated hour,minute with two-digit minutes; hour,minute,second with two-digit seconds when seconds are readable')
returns 1,34
